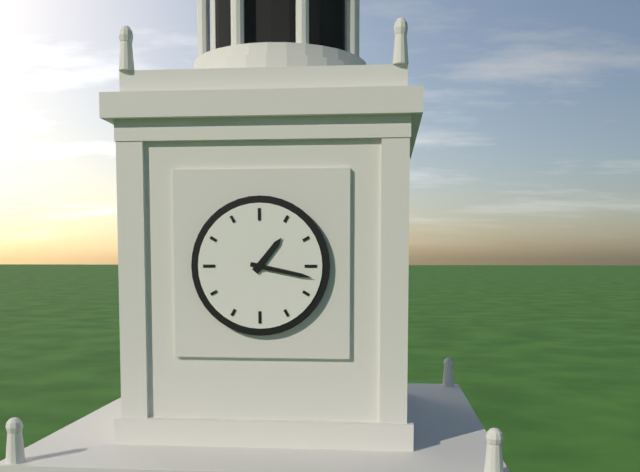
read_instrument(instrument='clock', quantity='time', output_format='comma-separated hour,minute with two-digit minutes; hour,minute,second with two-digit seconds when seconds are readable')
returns 1,17
